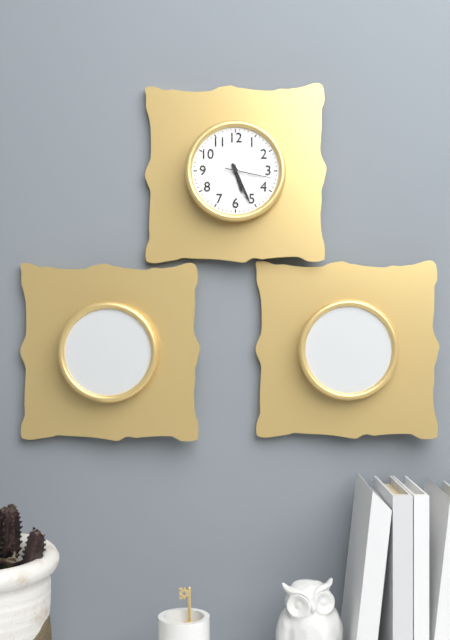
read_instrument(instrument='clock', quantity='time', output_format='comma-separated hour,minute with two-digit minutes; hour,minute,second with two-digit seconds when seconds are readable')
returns 5,26
